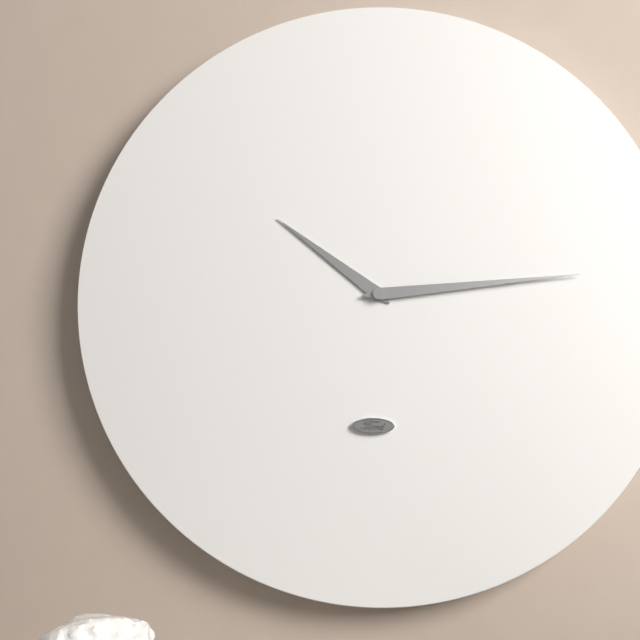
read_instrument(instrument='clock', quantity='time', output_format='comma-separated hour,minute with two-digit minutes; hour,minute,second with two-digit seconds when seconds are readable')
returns 10,14
